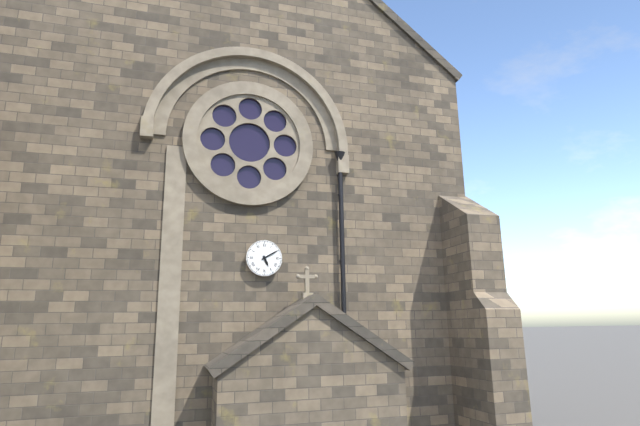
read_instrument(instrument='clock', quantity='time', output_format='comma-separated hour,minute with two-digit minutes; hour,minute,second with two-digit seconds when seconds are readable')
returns 5,10
